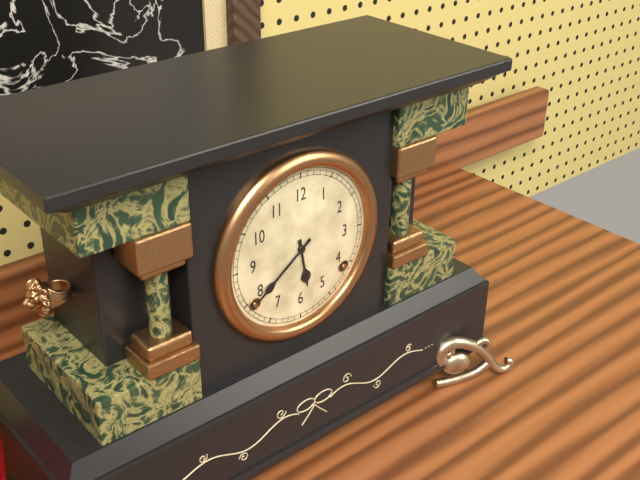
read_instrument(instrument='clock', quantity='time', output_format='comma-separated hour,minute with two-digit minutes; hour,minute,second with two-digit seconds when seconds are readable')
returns 5,39
